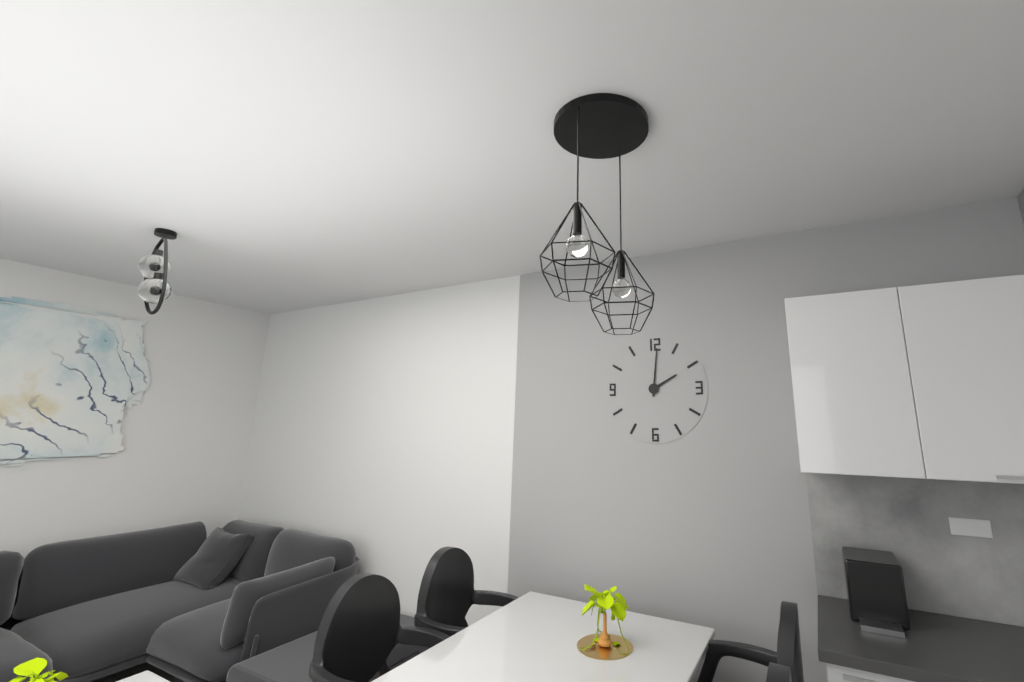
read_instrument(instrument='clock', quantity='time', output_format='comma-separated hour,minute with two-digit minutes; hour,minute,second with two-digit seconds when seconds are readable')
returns 2,01
